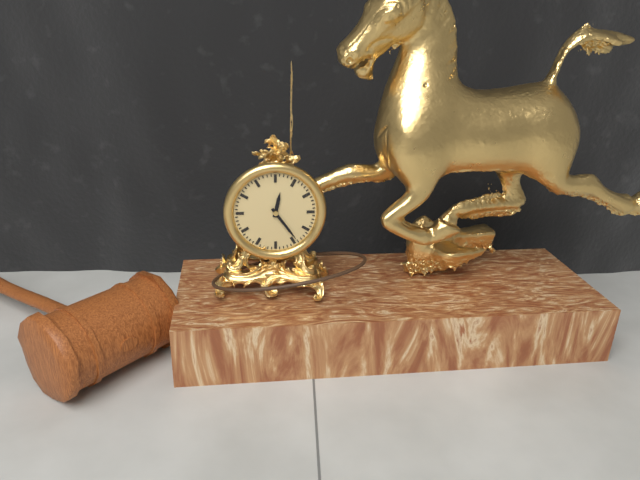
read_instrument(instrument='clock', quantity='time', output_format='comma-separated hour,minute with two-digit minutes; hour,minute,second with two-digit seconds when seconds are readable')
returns 12,24
